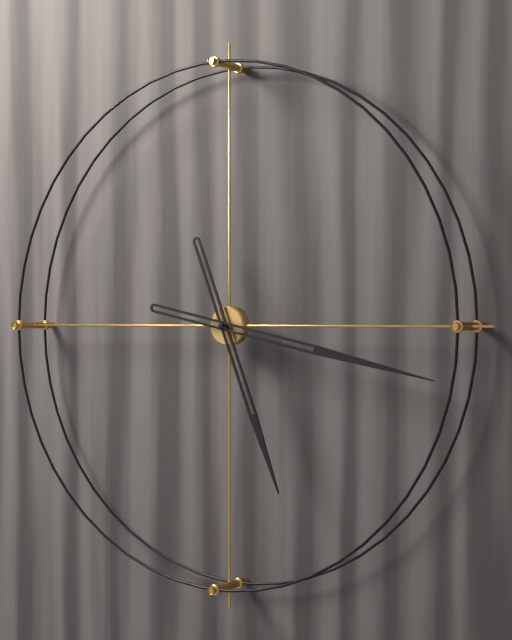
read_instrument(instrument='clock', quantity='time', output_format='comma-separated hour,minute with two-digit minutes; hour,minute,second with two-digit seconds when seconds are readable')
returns 5,17
